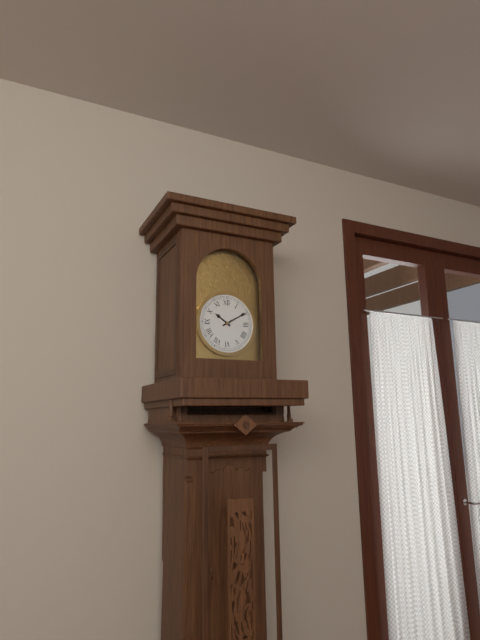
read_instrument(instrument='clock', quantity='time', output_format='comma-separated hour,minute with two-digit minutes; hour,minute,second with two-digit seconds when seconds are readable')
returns 10,10
